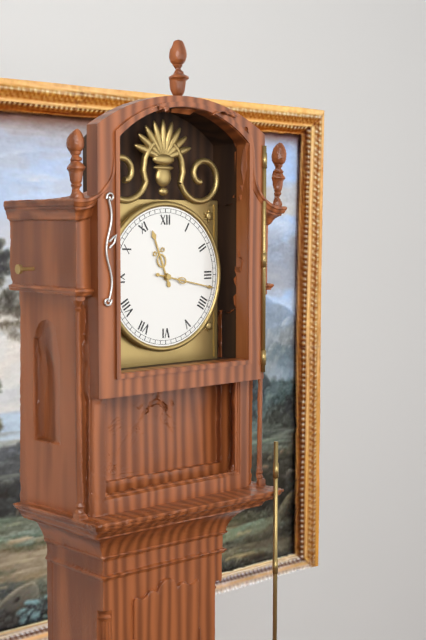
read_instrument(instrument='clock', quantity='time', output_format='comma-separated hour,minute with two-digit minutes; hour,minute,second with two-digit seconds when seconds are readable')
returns 11,17
